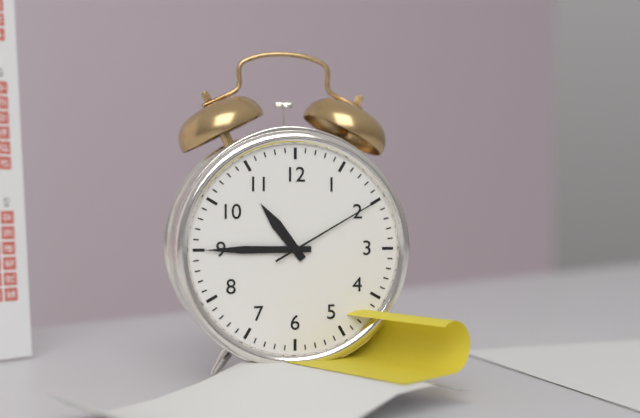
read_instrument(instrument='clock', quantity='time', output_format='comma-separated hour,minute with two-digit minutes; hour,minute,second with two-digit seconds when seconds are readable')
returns 10,45,10
